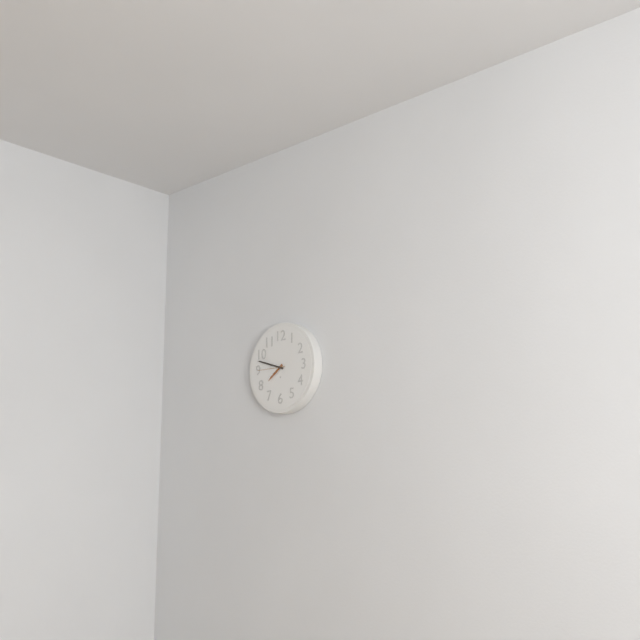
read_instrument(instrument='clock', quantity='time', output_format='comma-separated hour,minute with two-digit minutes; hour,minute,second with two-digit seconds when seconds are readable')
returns 7,48
